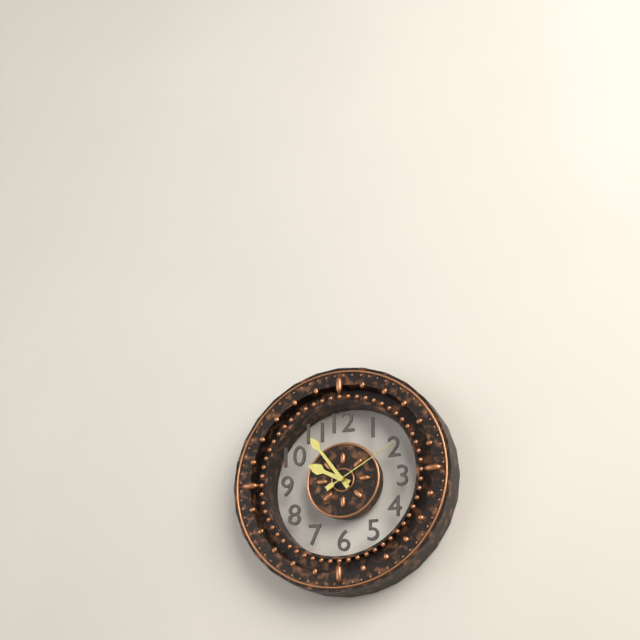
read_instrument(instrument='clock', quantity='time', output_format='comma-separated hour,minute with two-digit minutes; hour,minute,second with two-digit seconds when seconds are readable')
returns 9,54,10
